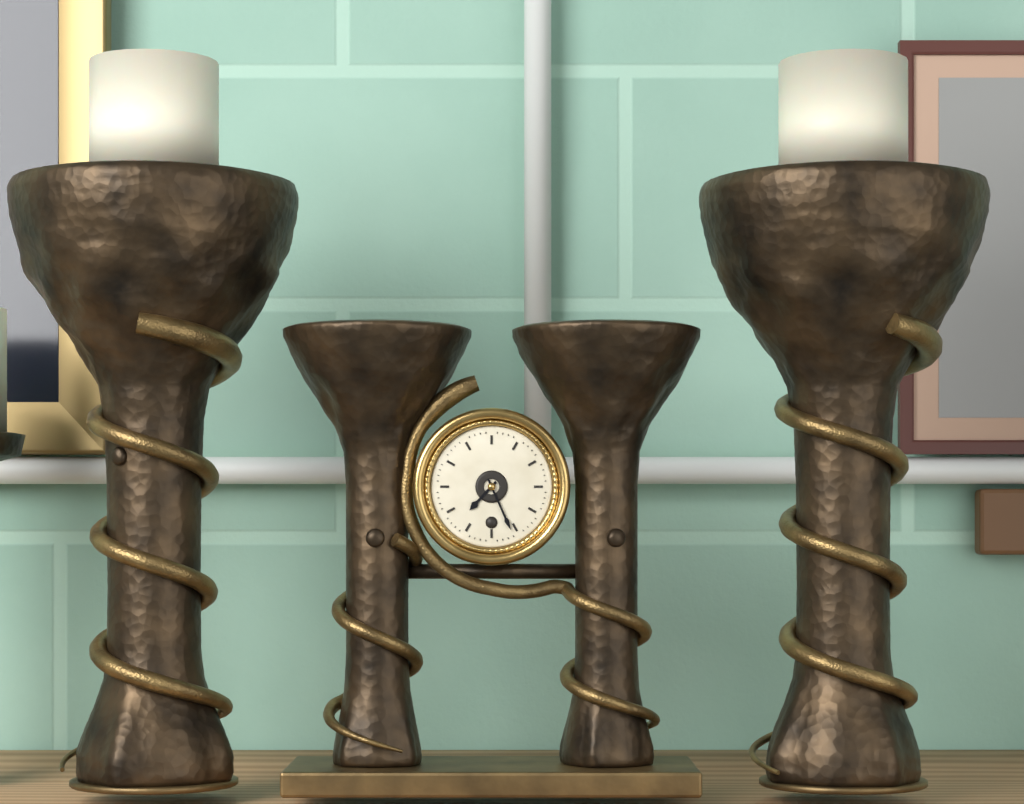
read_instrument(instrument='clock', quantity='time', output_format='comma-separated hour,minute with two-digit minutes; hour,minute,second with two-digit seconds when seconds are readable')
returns 7,26
